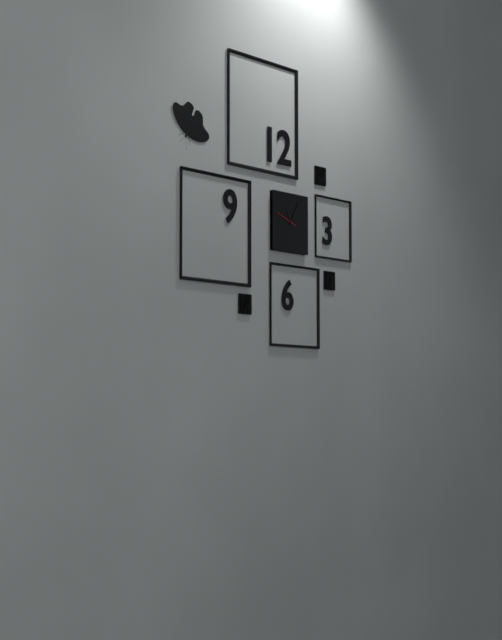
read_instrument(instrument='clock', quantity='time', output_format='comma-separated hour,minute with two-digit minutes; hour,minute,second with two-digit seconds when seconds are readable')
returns 11,05
